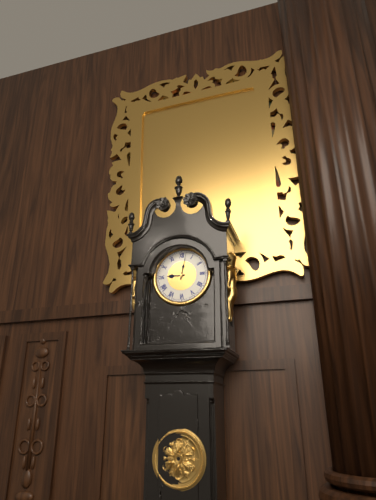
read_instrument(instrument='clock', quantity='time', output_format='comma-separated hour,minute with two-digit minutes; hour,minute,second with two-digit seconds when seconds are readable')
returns 9,02
